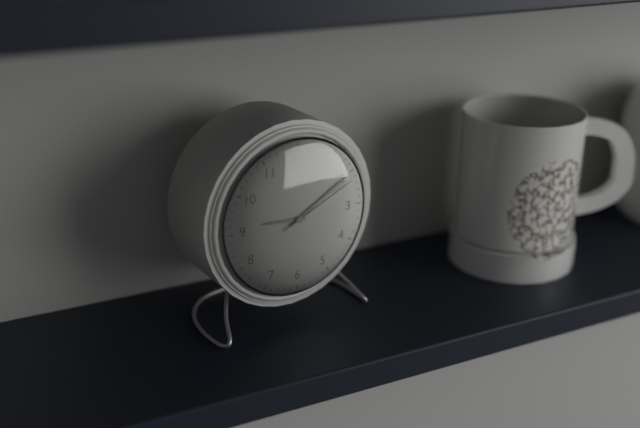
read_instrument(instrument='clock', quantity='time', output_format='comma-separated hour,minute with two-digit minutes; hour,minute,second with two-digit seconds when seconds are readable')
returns 9,10,11
